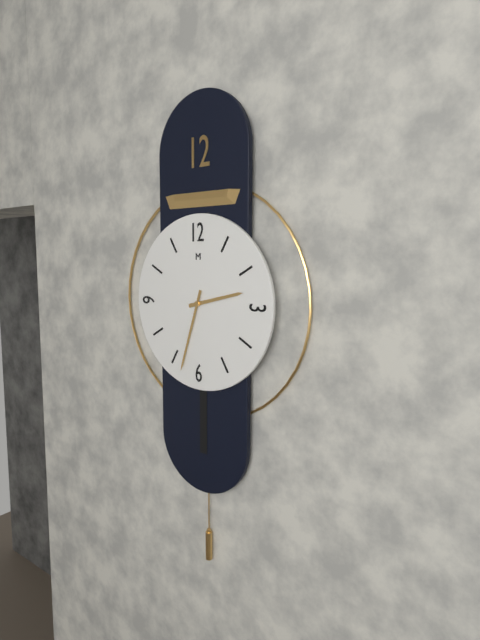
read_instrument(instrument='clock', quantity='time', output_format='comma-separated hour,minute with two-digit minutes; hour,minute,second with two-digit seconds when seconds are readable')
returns 2,33
